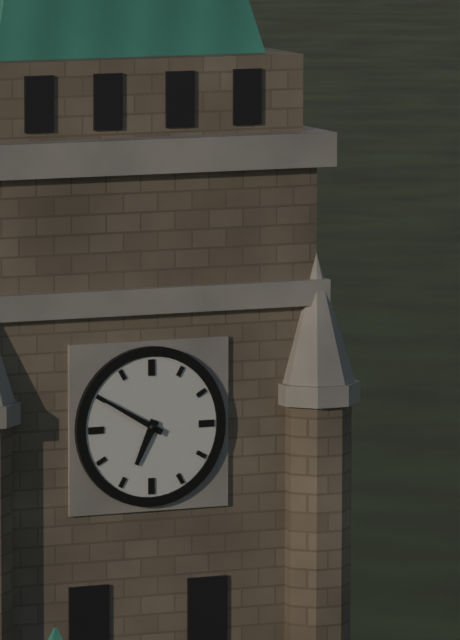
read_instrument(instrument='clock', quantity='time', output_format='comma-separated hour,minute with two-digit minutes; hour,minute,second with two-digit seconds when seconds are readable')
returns 6,50
